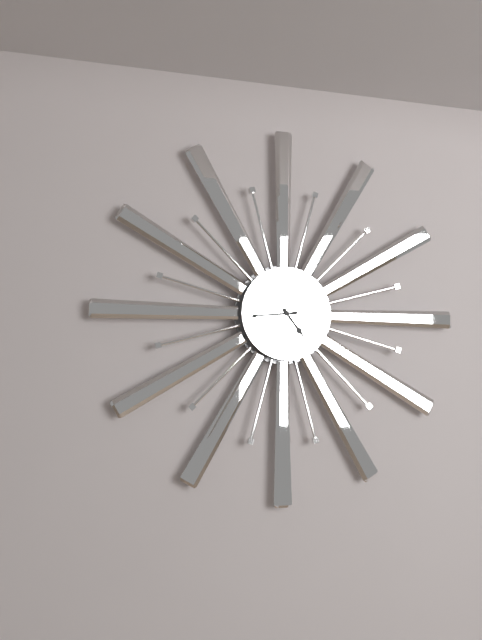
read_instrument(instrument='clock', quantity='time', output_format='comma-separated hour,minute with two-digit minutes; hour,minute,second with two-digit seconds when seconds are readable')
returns 4,44
